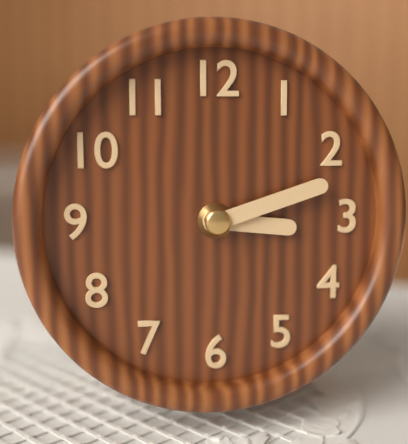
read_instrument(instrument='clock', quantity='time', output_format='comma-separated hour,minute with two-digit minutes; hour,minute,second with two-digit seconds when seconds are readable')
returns 3,12
